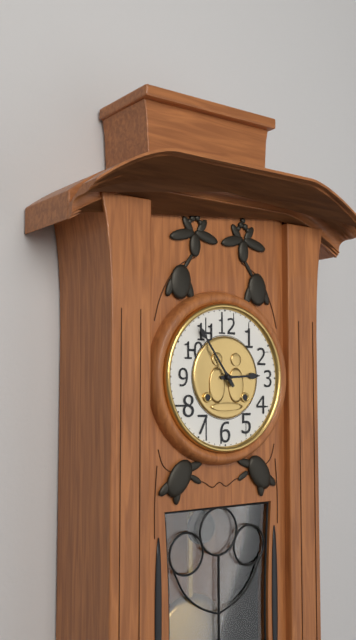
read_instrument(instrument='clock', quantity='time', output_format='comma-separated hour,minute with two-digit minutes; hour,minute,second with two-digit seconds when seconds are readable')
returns 2,54
